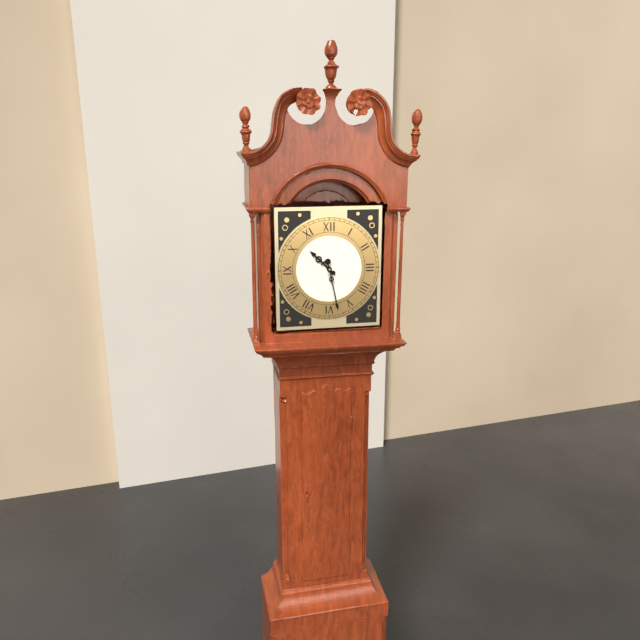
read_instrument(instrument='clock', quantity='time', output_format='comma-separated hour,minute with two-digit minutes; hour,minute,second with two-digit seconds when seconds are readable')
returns 10,28
